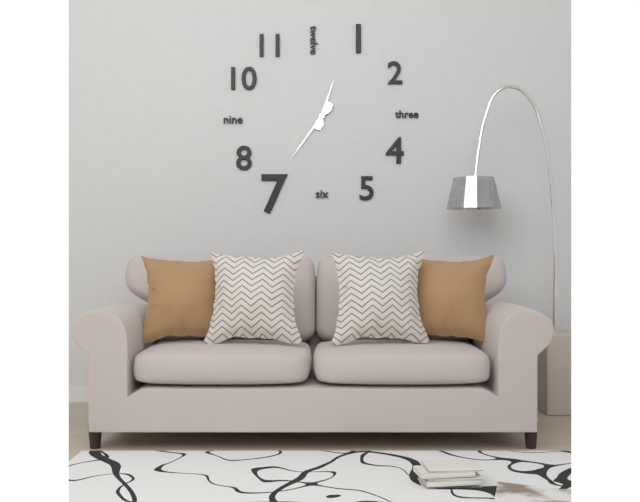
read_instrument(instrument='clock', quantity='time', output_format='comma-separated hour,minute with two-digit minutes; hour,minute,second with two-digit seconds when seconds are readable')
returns 12,36
